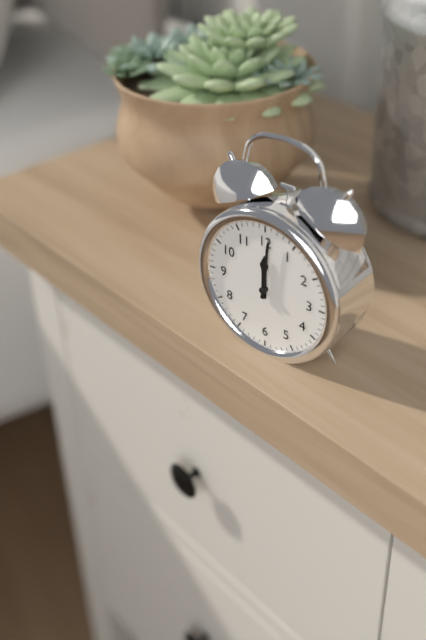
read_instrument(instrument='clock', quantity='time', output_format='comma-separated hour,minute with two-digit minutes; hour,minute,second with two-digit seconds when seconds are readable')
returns 12,01
